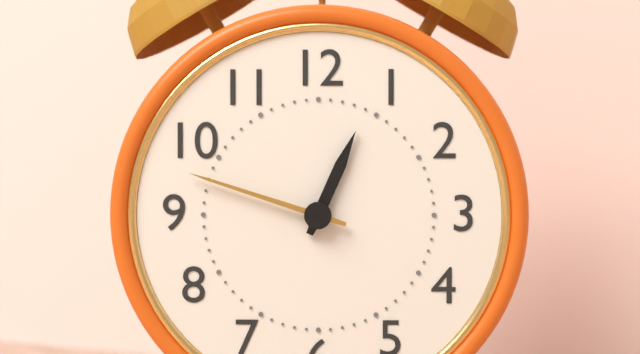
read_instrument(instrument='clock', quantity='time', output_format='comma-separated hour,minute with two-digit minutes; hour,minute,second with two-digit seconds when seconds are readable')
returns 12,48
